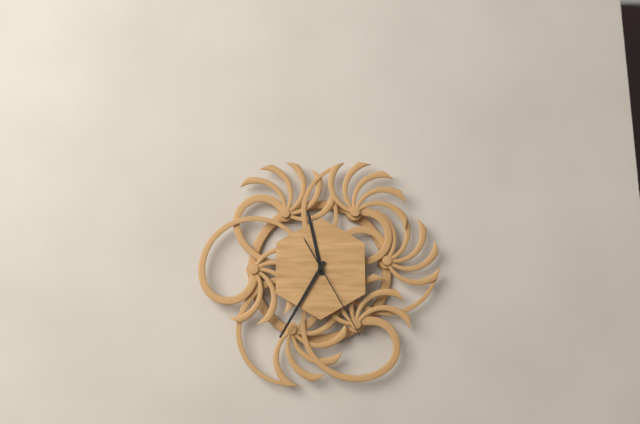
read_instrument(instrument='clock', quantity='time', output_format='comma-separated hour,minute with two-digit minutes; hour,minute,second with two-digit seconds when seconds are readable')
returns 11,35,25
